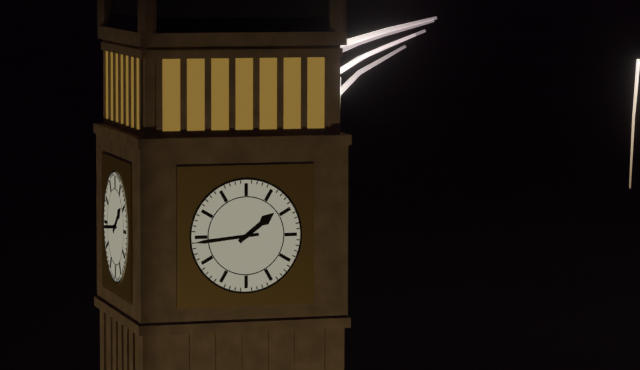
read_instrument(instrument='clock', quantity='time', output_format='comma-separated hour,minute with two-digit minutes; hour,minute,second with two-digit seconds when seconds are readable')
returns 1,44
